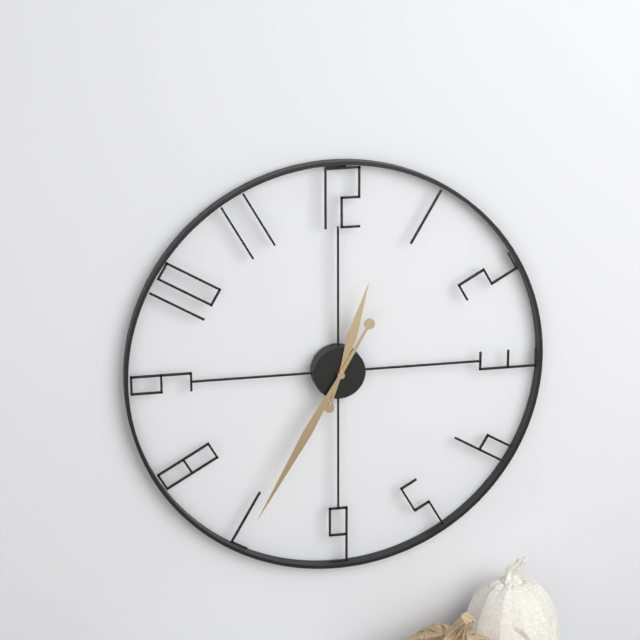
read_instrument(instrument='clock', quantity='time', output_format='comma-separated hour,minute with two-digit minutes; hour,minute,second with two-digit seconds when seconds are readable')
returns 12,35
